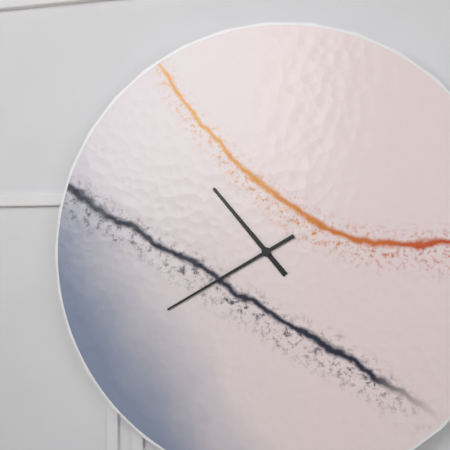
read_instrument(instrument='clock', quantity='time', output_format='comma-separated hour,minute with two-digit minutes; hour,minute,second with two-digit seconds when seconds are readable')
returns 10,40
